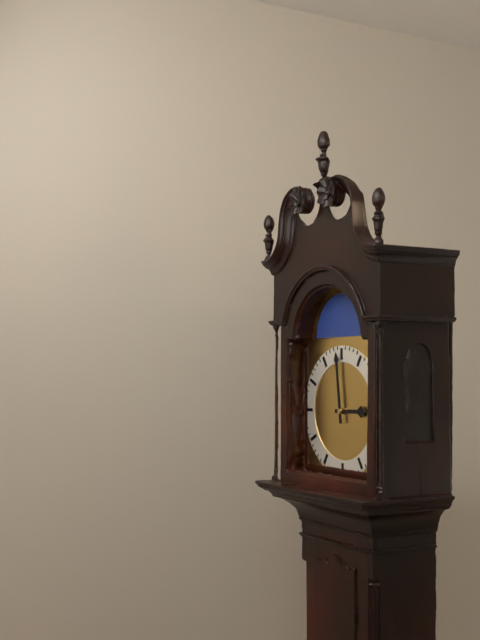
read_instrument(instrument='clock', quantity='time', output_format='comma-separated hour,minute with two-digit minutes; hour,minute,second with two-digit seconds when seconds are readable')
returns 2,59
